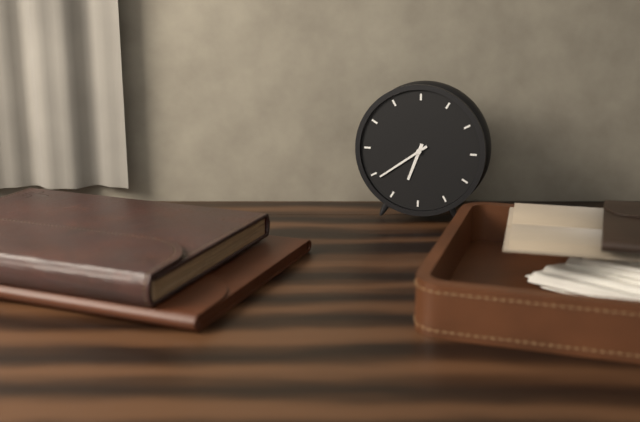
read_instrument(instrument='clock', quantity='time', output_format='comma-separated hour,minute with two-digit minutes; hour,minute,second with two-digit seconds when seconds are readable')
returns 6,39
